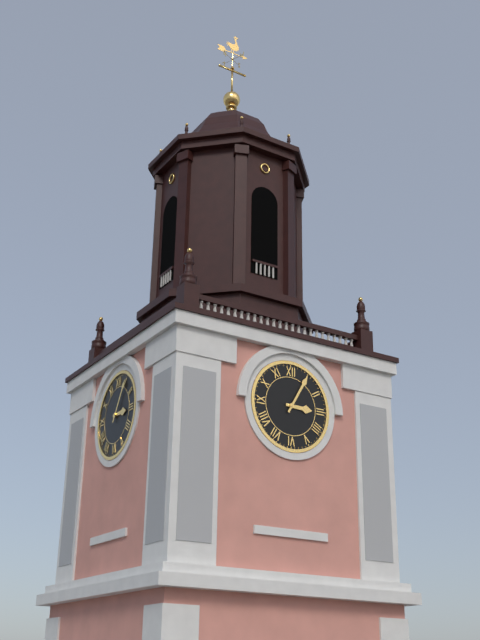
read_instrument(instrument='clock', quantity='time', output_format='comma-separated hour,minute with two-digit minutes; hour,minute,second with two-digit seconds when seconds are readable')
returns 3,05
